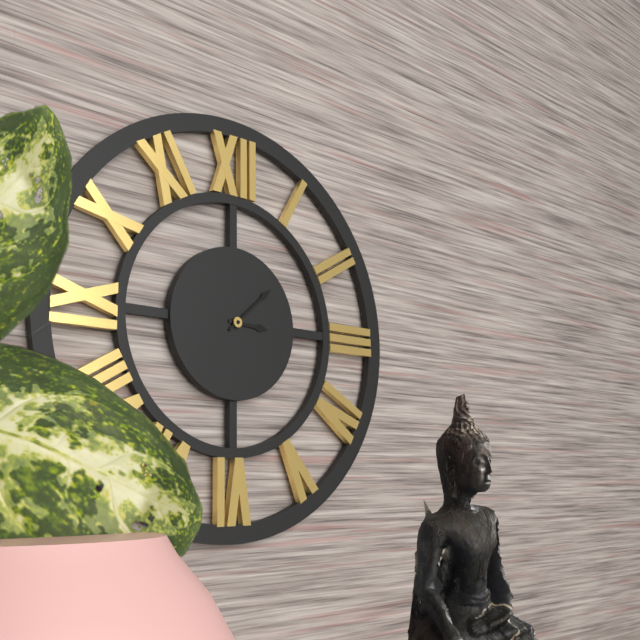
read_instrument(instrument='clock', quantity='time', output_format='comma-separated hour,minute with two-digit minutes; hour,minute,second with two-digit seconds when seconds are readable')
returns 3,08
